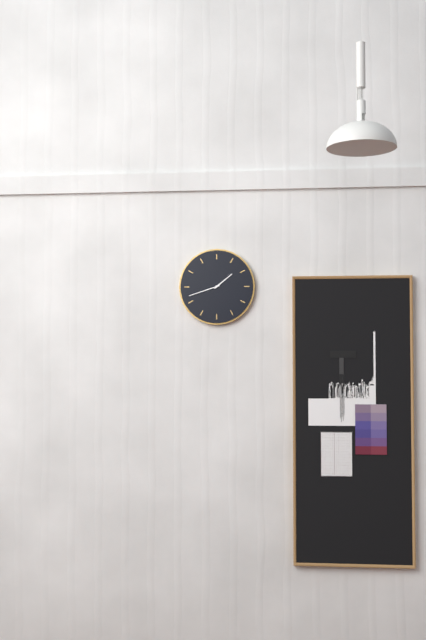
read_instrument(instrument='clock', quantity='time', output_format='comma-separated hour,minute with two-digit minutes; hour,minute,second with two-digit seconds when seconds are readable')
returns 1,42
